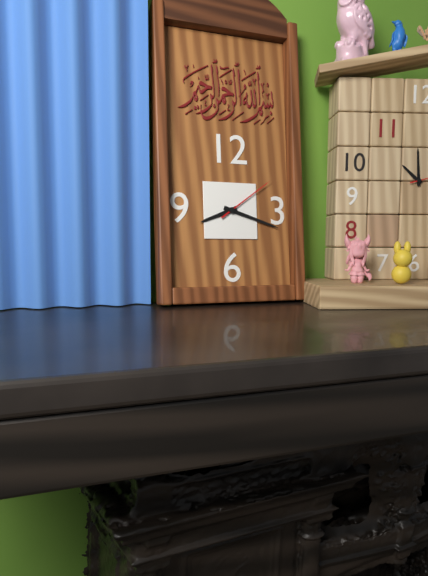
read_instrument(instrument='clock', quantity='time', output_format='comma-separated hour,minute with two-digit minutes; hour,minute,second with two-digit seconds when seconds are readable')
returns 8,18,09
